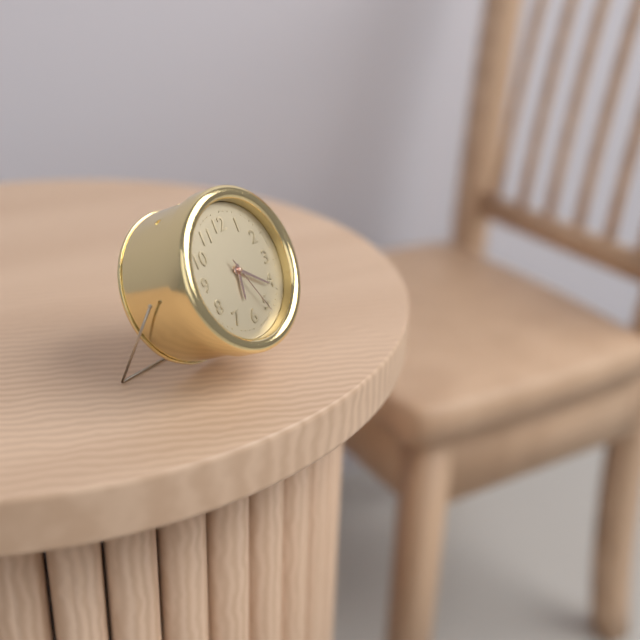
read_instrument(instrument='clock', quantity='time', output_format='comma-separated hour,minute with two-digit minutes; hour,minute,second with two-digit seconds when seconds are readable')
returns 6,21,26
